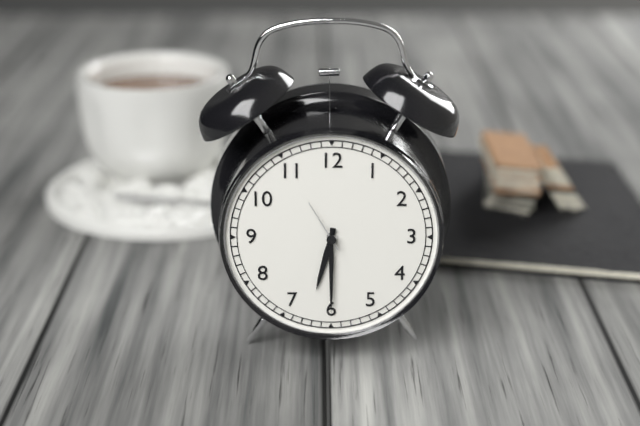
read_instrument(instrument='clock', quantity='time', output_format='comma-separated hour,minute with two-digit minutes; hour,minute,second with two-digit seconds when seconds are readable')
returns 6,30,55
